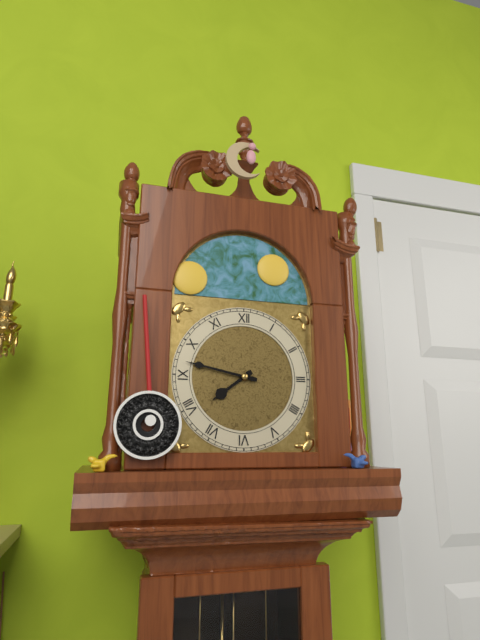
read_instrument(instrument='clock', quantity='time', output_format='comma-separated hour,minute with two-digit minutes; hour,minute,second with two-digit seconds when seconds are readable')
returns 7,47
